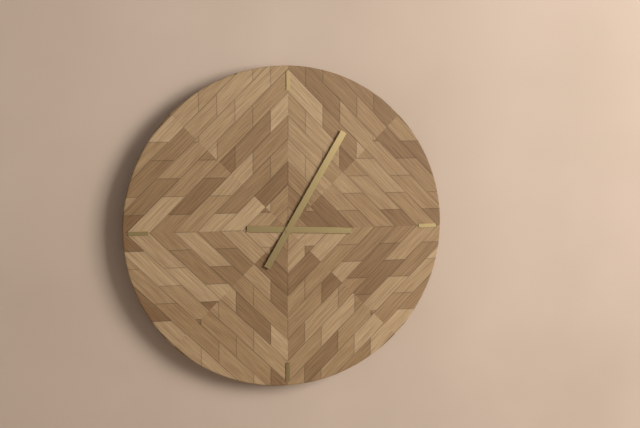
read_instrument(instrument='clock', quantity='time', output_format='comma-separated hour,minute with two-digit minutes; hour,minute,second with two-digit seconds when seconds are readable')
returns 3,05
